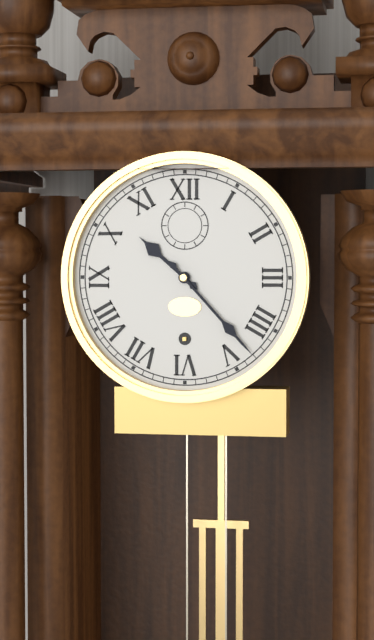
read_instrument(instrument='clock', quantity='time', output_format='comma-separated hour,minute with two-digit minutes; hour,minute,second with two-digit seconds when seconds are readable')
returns 10,23
